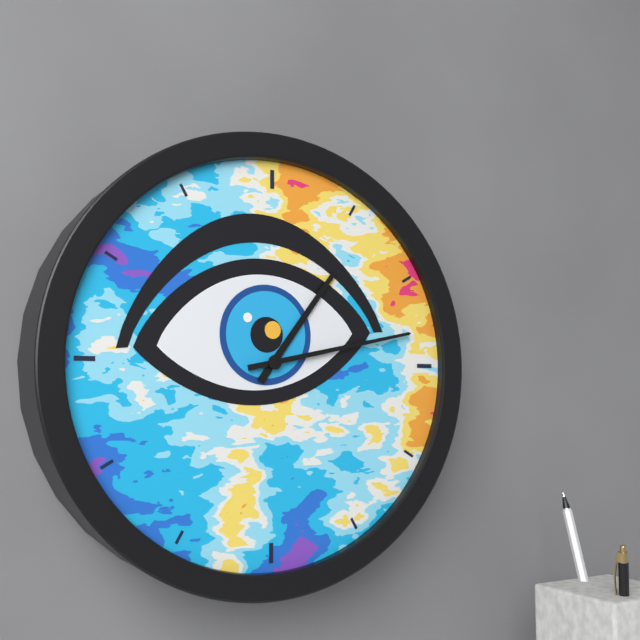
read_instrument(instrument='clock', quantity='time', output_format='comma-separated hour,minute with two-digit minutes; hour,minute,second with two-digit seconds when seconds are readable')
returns 1,13
